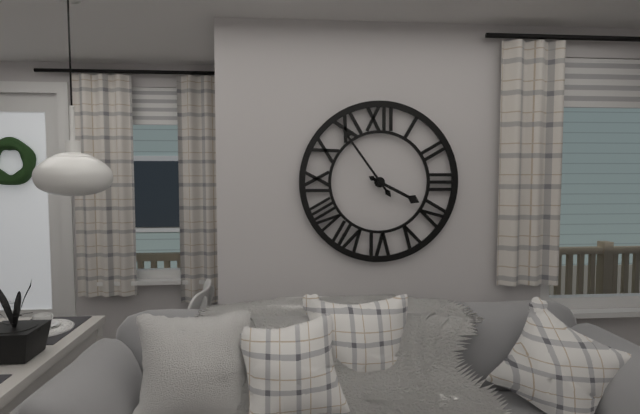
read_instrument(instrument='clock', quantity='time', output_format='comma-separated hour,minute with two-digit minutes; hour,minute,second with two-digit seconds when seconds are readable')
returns 3,54
